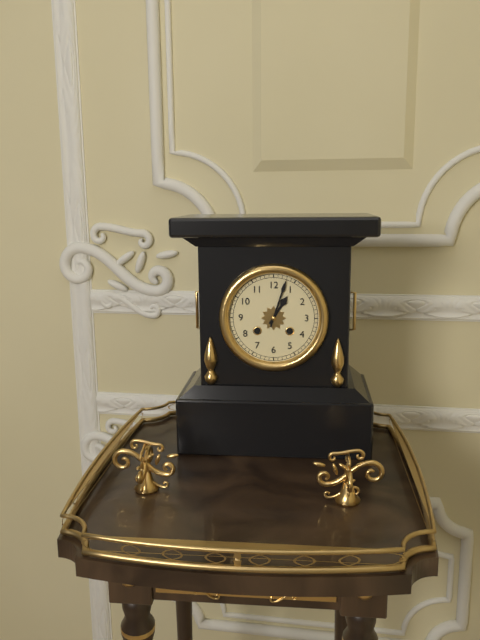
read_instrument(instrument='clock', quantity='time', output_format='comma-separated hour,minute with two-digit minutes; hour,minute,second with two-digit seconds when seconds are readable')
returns 1,03
